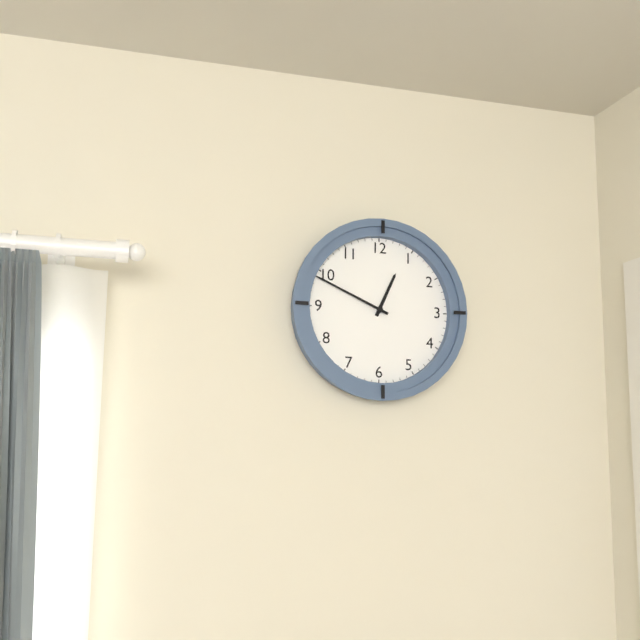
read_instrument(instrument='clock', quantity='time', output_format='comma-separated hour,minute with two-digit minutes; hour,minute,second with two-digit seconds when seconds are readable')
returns 12,49
